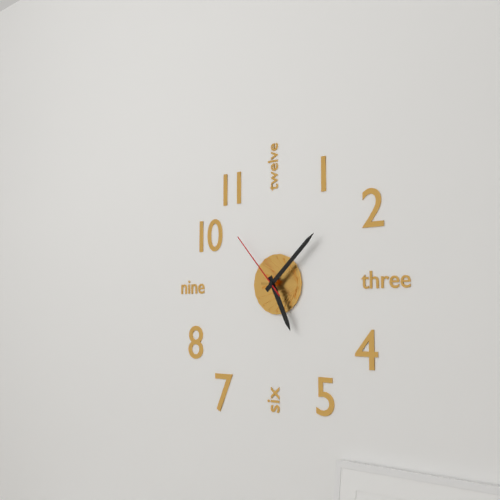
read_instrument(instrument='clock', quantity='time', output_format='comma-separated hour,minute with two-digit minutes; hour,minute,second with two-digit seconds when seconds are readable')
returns 5,08,53
